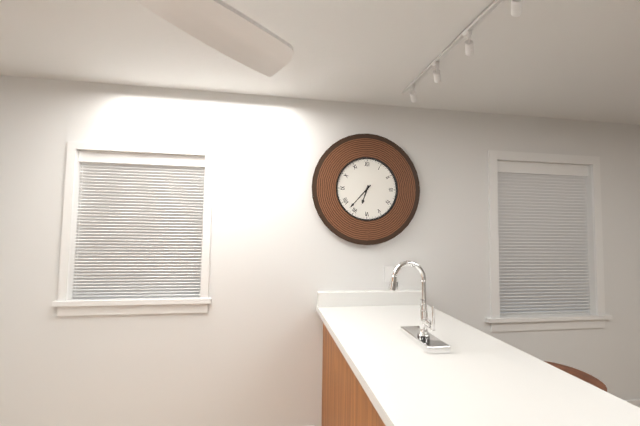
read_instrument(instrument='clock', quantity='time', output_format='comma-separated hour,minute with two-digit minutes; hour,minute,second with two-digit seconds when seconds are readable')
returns 6,37
